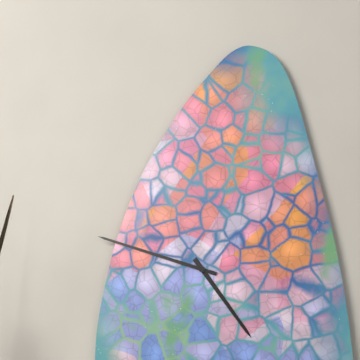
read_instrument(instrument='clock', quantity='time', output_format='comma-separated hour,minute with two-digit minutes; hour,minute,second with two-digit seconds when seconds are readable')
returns 4,48
